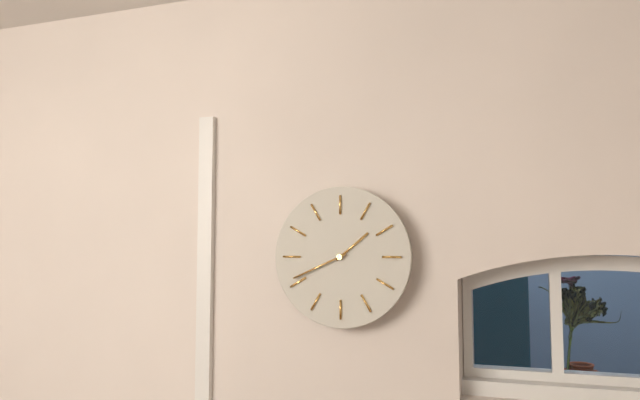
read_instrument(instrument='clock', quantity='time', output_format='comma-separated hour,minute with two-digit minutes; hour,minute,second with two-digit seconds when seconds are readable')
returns 1,41
